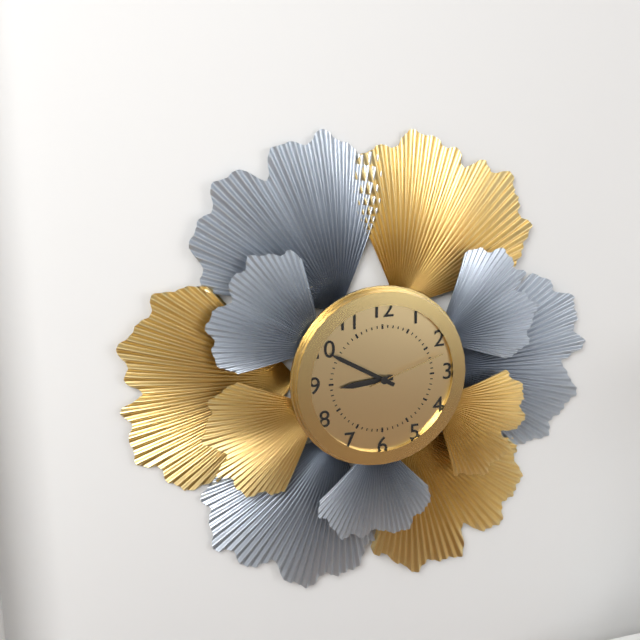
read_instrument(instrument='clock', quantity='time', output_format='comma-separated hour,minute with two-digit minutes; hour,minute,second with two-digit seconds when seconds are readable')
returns 8,50,12
